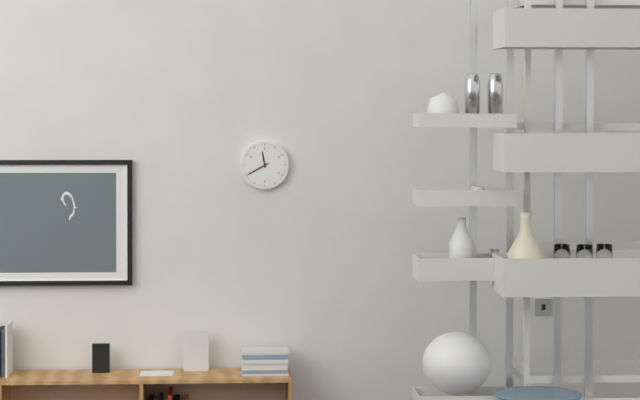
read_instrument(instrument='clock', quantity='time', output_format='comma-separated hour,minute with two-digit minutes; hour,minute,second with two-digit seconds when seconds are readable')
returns 11,40
